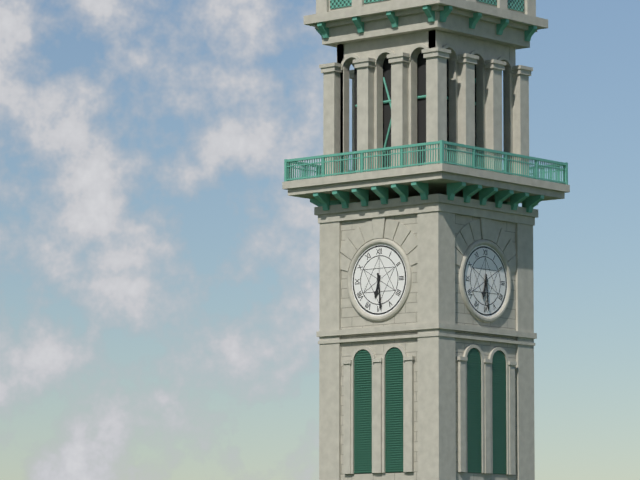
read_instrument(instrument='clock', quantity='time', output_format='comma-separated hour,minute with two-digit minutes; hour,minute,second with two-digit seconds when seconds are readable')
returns 6,29
